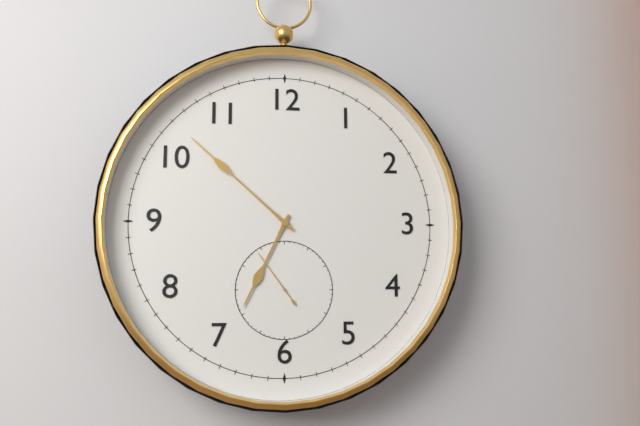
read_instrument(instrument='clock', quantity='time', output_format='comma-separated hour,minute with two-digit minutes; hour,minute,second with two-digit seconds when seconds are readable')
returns 6,52,54
